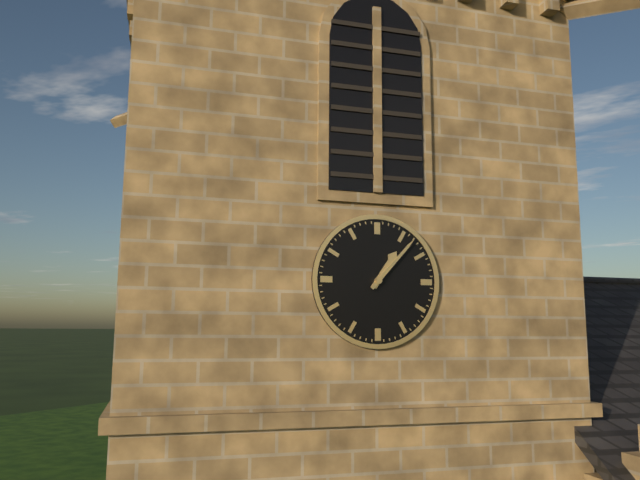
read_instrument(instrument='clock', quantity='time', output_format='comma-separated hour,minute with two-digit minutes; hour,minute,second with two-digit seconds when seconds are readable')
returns 1,07
